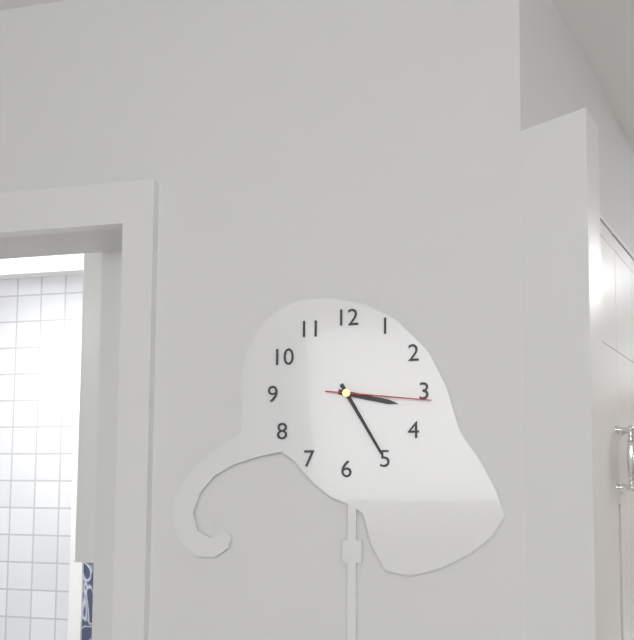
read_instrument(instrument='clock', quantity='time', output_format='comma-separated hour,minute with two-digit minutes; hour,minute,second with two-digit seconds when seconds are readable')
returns 3,25,16
